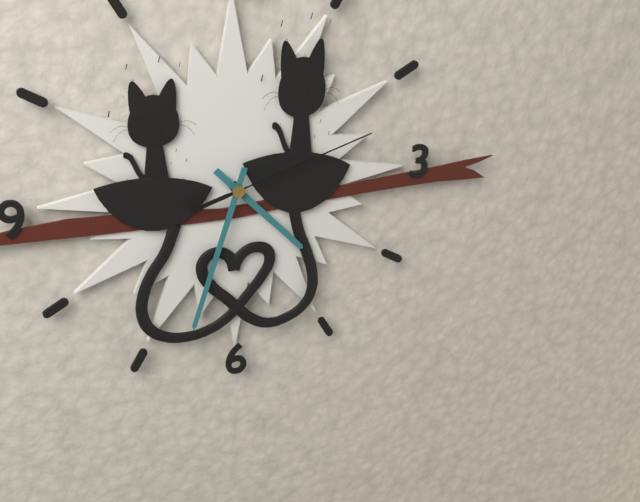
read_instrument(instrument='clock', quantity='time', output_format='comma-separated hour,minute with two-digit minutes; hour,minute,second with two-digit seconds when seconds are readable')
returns 4,33,12
